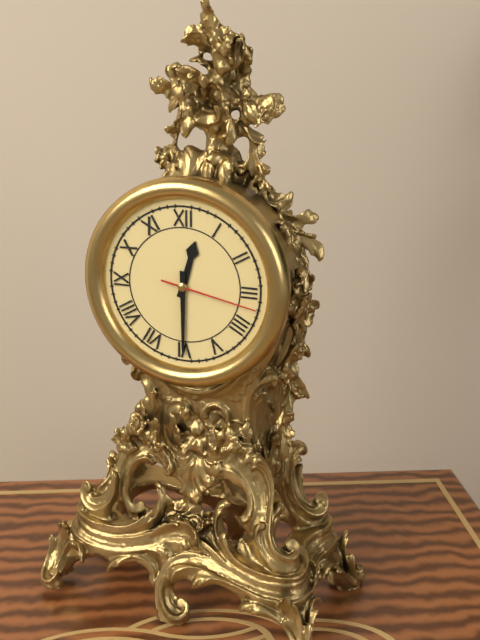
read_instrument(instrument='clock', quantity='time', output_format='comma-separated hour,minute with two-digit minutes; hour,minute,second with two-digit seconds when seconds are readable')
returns 12,30,17
